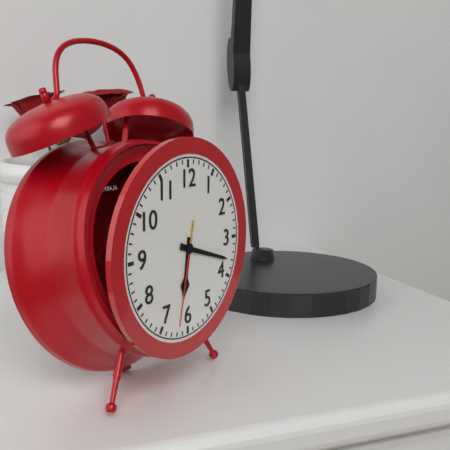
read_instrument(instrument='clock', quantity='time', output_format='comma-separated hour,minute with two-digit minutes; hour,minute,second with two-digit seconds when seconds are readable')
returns 6,18,32
